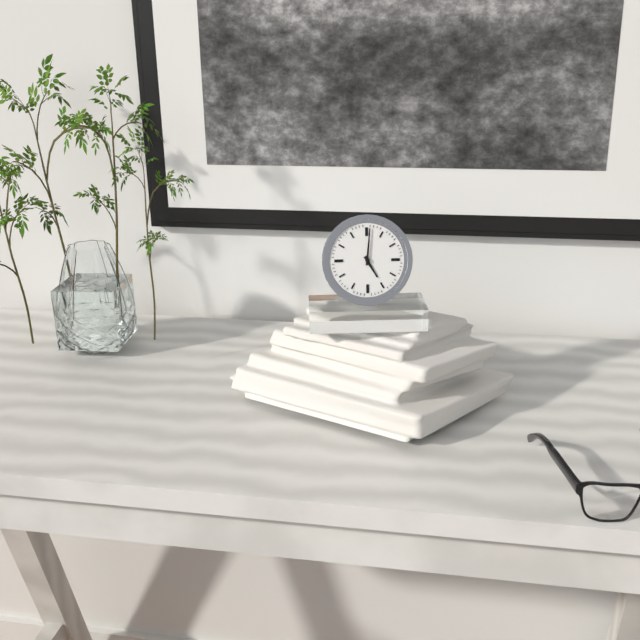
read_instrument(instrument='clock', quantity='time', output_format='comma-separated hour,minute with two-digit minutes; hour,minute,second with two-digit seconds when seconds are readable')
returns 5,01
